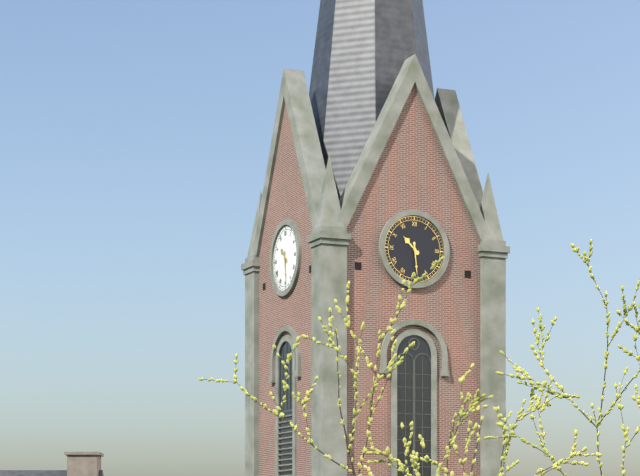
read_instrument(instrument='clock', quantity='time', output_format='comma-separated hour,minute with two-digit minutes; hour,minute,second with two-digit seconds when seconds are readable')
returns 10,29
